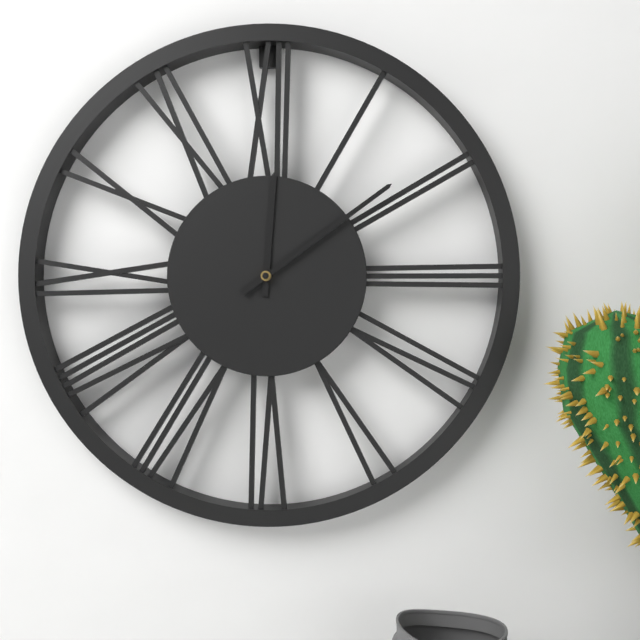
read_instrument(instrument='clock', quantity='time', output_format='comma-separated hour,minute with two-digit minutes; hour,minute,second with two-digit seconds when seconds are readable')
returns 12,09
